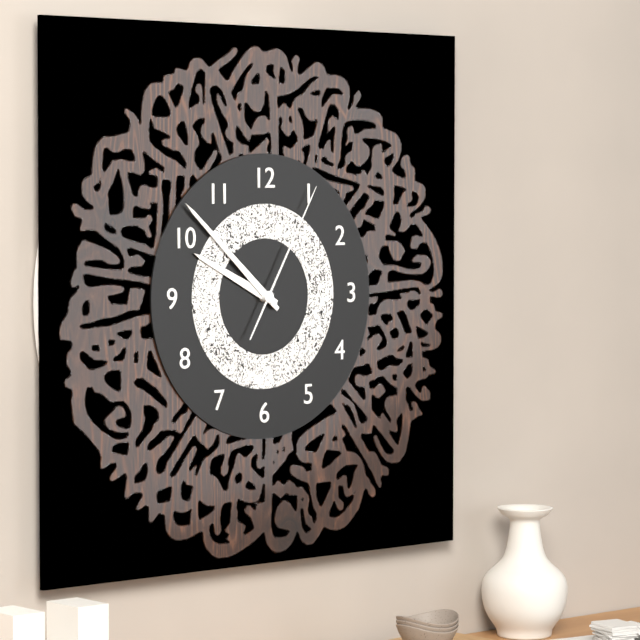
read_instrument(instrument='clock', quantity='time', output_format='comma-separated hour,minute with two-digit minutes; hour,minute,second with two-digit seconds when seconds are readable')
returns 9,52,05
